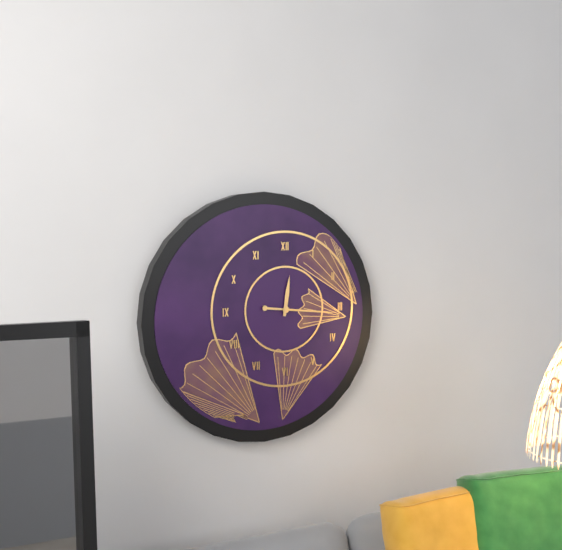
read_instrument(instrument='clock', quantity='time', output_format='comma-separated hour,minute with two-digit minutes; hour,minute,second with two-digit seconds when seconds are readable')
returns 12,16
